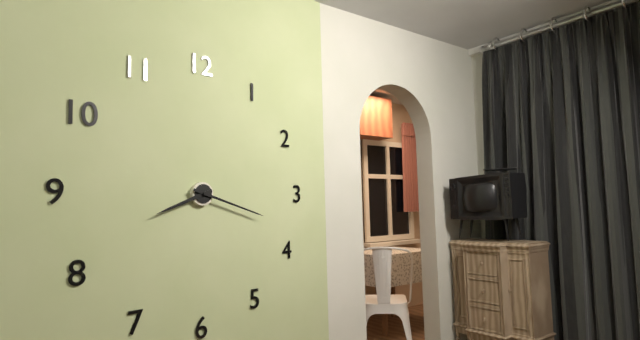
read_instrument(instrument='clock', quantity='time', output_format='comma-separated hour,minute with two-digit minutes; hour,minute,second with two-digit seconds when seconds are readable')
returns 8,18
